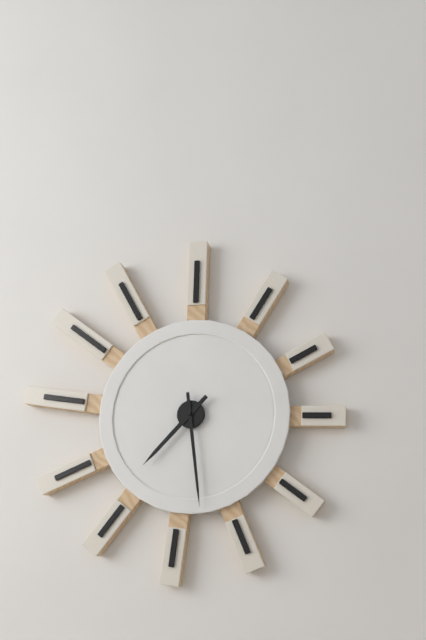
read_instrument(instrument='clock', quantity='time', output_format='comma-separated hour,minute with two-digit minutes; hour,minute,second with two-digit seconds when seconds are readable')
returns 7,29
